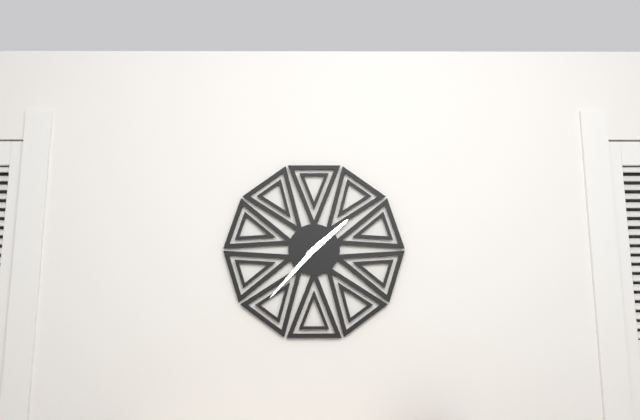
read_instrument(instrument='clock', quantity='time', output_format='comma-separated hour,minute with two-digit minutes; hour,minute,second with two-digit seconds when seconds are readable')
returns 1,37
